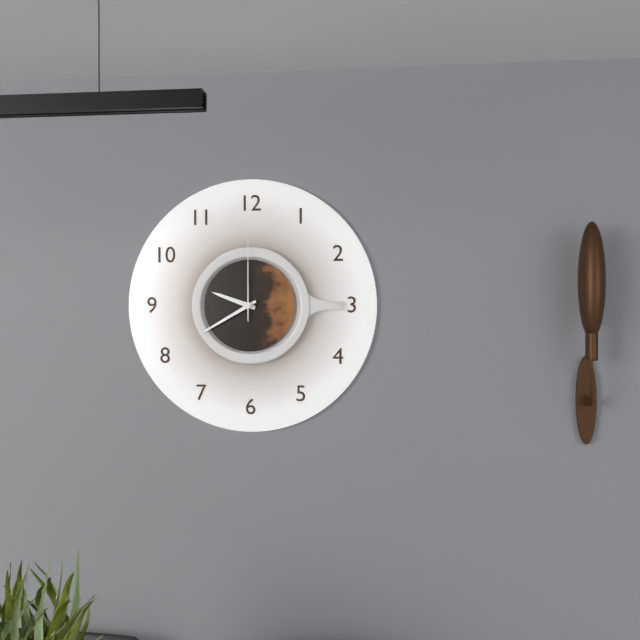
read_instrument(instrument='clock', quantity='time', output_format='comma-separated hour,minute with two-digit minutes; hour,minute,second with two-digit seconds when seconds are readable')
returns 9,40,00
